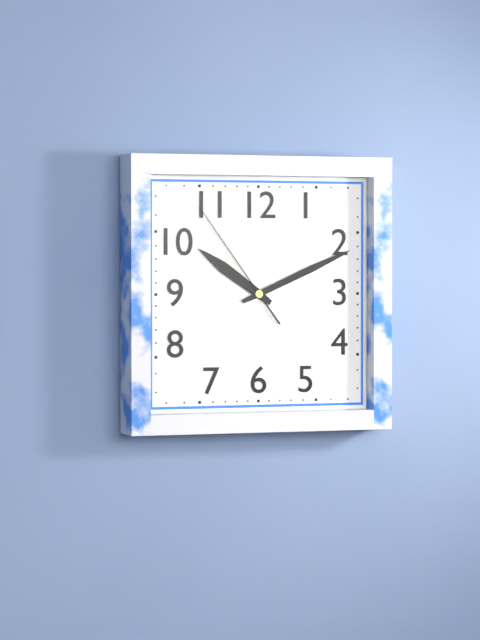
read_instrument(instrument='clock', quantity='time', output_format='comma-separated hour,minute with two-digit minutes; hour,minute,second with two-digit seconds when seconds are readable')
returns 10,11,54
